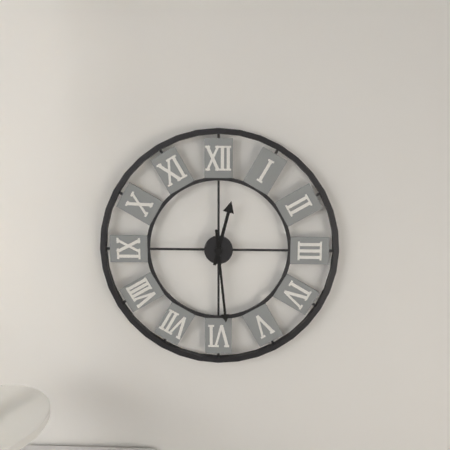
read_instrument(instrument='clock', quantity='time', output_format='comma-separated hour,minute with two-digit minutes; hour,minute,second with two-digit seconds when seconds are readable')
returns 12,29
